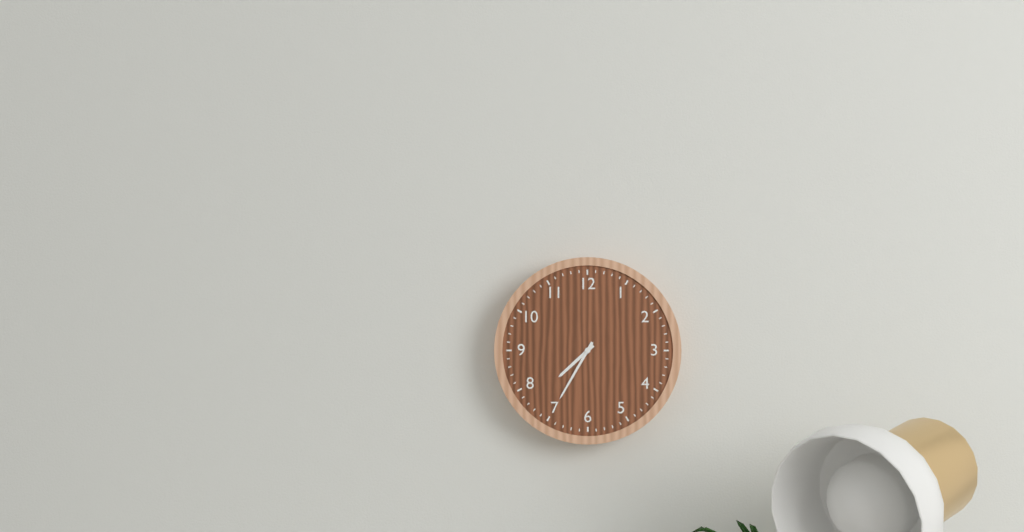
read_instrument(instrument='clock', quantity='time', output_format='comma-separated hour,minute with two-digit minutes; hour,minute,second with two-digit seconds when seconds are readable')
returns 7,35
